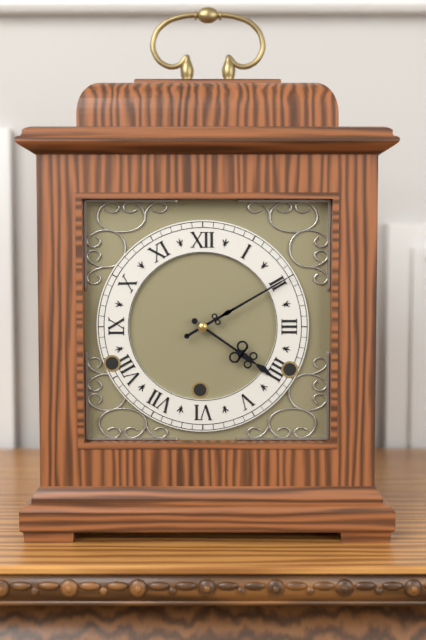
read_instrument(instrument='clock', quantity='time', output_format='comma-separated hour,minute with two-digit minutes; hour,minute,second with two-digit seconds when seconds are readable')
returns 4,10
